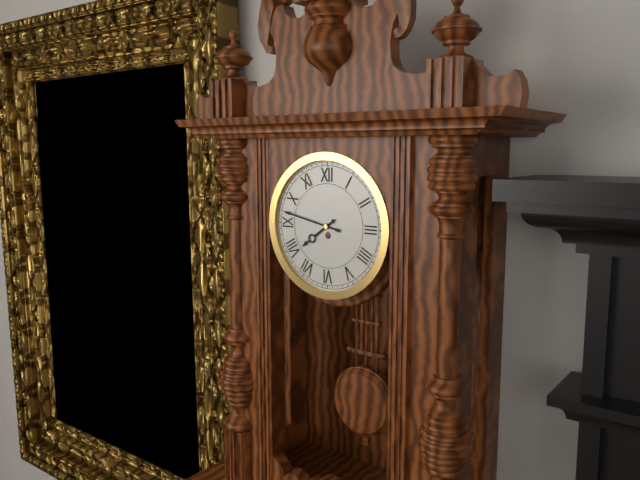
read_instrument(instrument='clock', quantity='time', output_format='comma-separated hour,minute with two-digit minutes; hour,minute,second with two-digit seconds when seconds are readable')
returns 7,47
